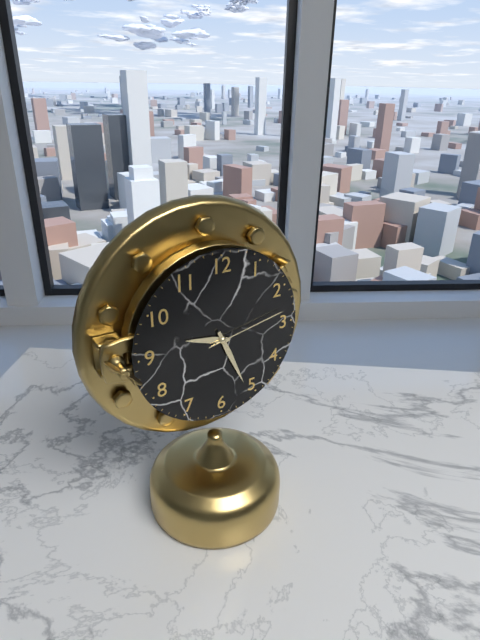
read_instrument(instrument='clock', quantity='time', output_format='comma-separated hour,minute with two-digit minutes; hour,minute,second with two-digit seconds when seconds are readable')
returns 9,26,13
